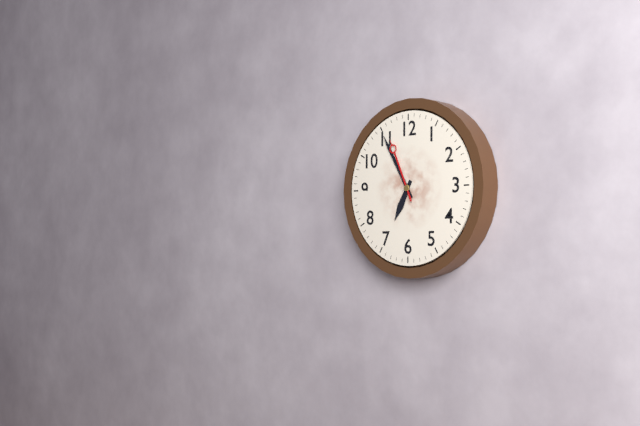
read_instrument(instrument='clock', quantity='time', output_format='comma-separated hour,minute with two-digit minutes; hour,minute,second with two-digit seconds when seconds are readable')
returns 6,55,56
